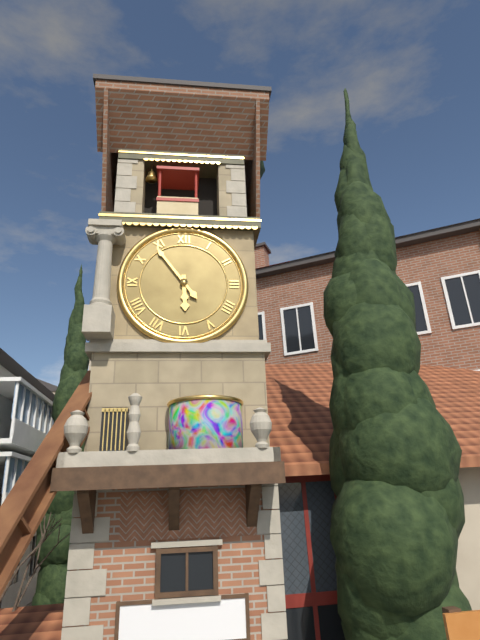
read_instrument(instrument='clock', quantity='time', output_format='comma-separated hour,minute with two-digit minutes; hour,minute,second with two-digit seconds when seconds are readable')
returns 5,54
